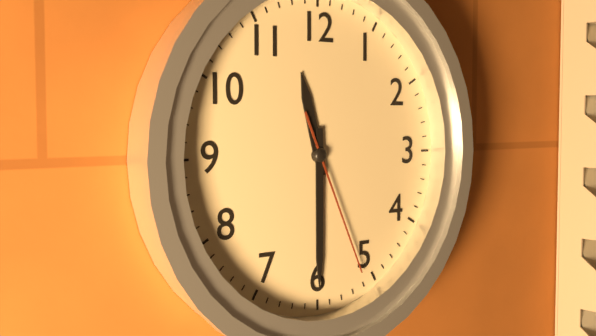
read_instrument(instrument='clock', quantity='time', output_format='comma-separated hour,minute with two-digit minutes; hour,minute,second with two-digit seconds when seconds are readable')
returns 11,30,26
